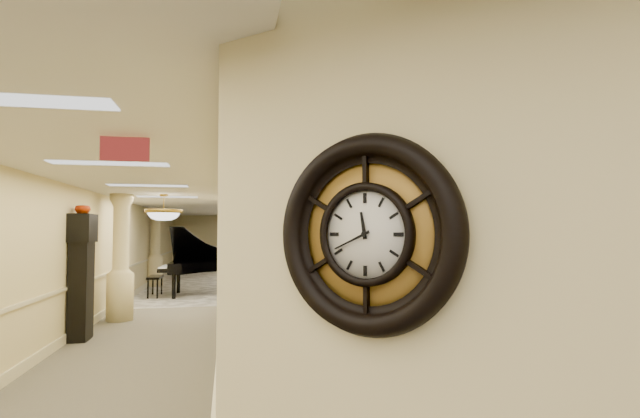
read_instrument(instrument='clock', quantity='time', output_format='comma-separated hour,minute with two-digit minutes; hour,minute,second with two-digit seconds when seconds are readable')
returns 11,41
